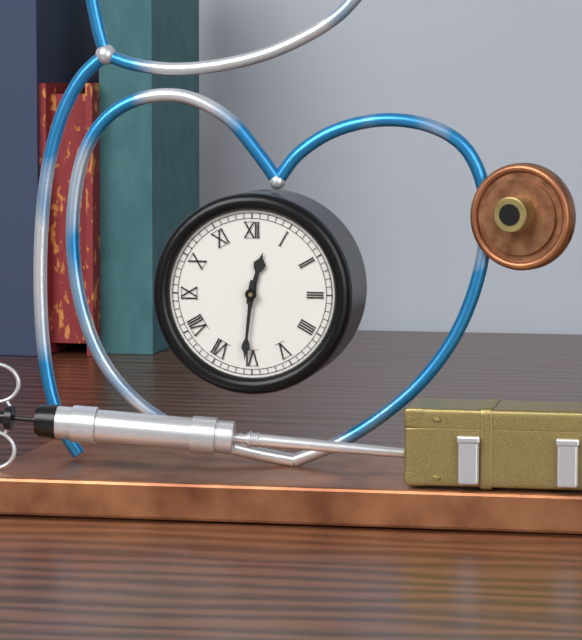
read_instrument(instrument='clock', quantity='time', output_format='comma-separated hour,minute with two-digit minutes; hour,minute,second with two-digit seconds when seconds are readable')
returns 12,31
